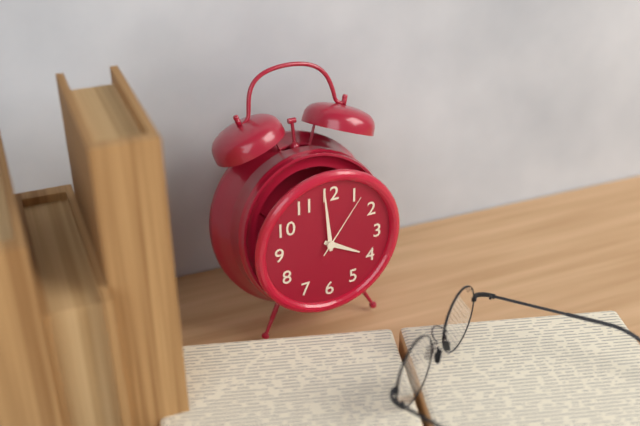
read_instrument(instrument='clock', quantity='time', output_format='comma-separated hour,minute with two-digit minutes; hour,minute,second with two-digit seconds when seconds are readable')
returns 3,59,06
